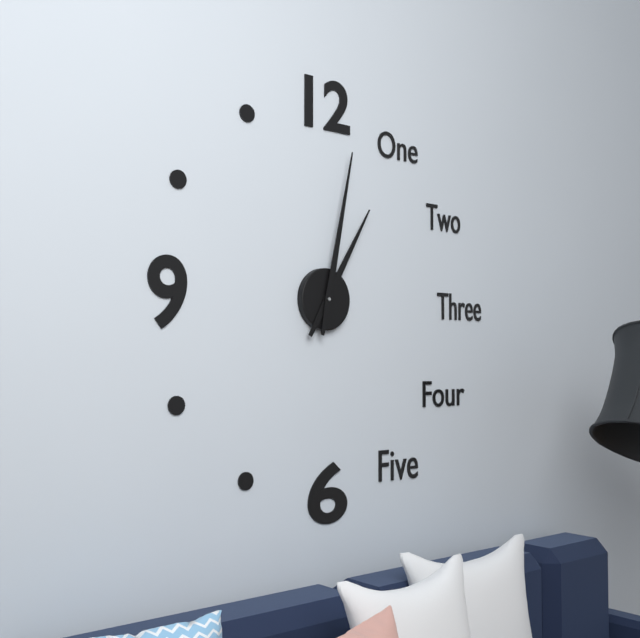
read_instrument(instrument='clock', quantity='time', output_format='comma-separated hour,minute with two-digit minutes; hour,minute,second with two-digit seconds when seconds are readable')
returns 1,02
